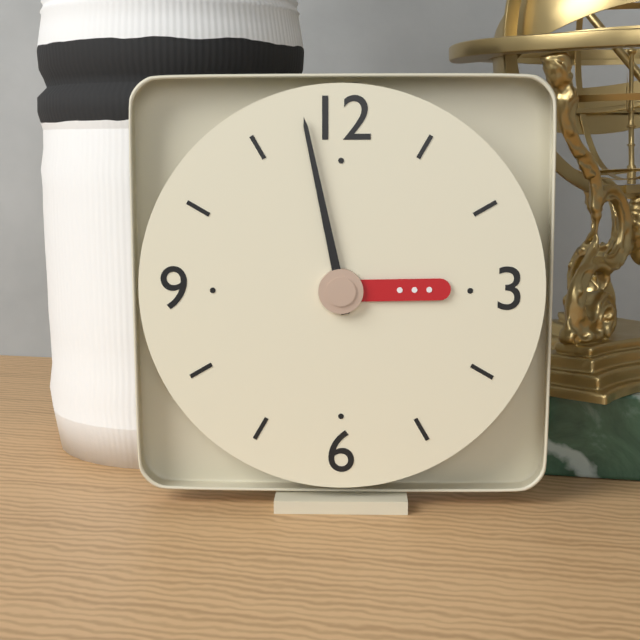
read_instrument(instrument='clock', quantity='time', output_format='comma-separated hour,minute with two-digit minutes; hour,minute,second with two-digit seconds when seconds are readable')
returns 2,58
